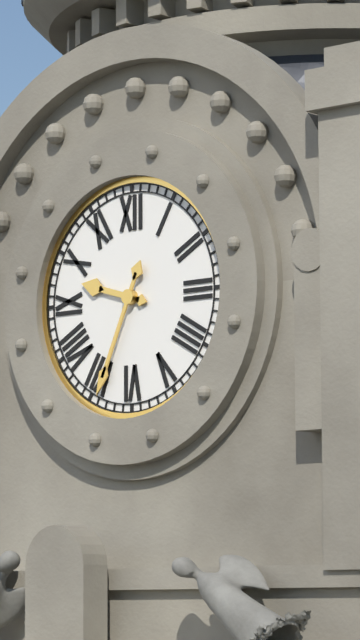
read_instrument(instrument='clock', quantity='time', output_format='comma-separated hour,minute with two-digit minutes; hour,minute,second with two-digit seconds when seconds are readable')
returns 9,34
